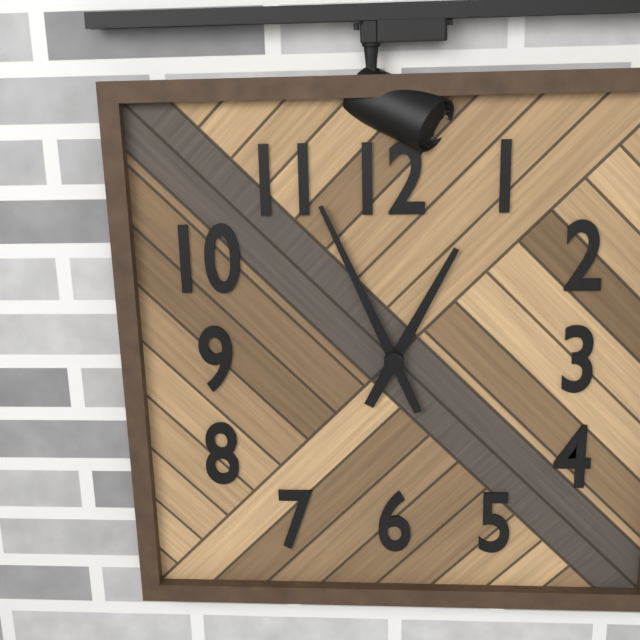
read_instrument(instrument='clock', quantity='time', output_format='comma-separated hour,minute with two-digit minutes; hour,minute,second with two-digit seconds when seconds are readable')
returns 12,56
